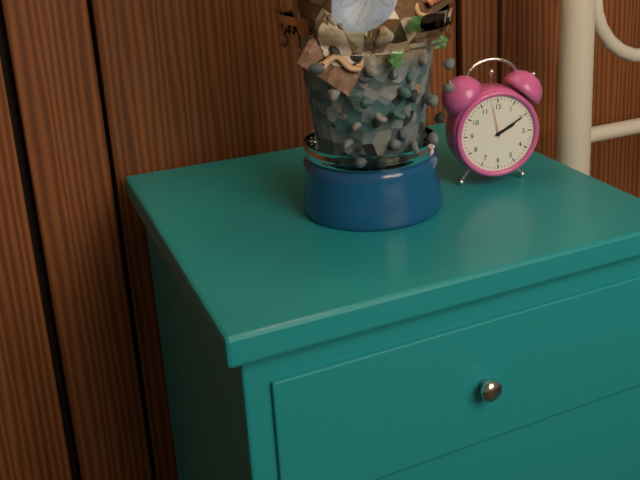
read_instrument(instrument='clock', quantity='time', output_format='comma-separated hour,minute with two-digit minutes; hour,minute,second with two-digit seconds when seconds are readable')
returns 2,10
